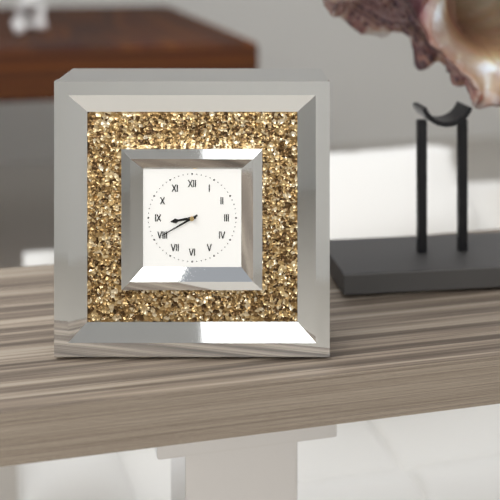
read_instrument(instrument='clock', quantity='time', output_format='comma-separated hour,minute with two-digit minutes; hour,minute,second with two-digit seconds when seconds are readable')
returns 8,40
